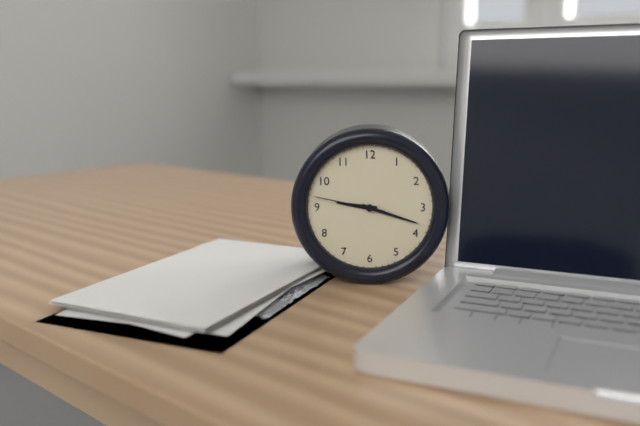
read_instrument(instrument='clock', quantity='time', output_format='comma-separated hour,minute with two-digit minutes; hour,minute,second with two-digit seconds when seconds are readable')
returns 9,18,47
